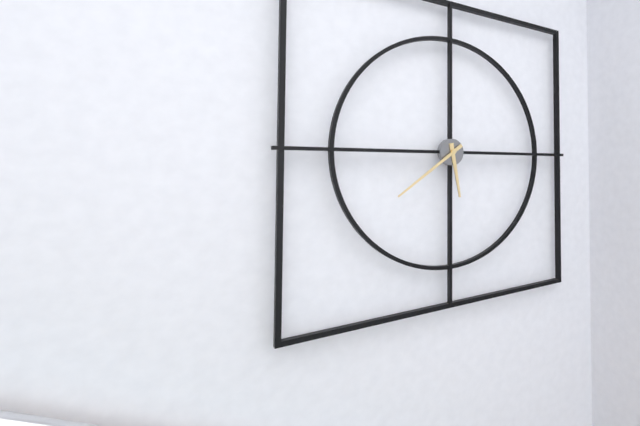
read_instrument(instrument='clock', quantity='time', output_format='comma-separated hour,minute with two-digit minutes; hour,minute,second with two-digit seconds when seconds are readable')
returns 5,39
